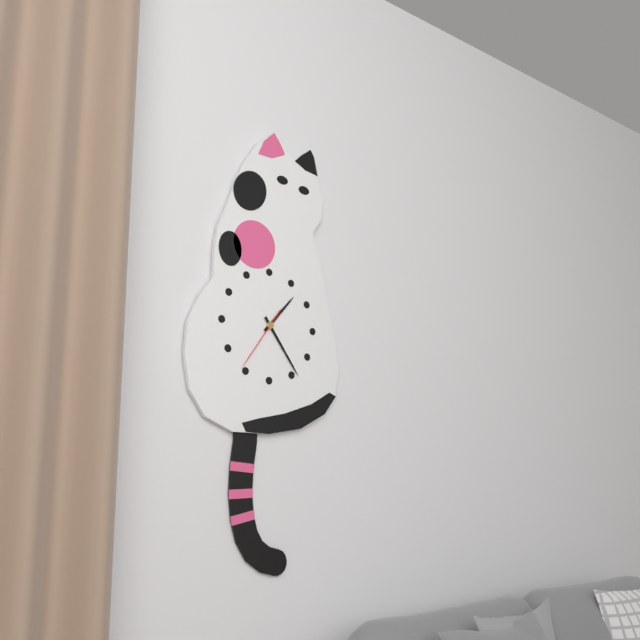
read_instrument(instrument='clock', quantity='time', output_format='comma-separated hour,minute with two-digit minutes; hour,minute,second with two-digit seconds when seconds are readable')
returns 1,24,36
